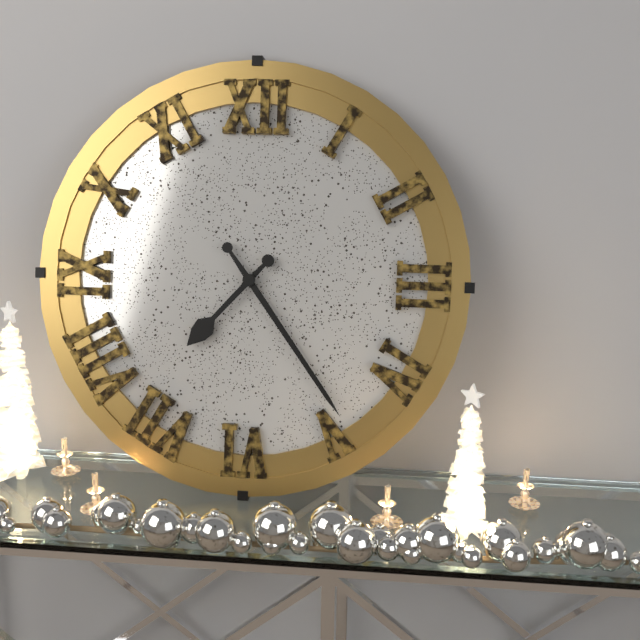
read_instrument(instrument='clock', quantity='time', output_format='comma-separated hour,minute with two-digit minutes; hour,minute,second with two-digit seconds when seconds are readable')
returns 7,24
